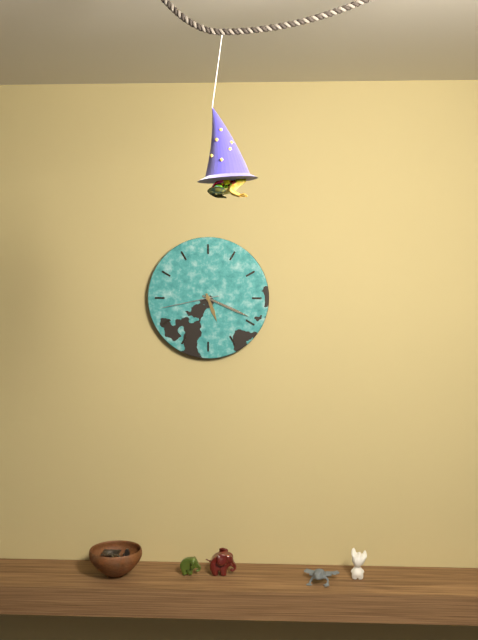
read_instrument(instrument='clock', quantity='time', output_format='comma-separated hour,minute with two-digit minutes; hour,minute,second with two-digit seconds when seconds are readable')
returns 5,19,43
